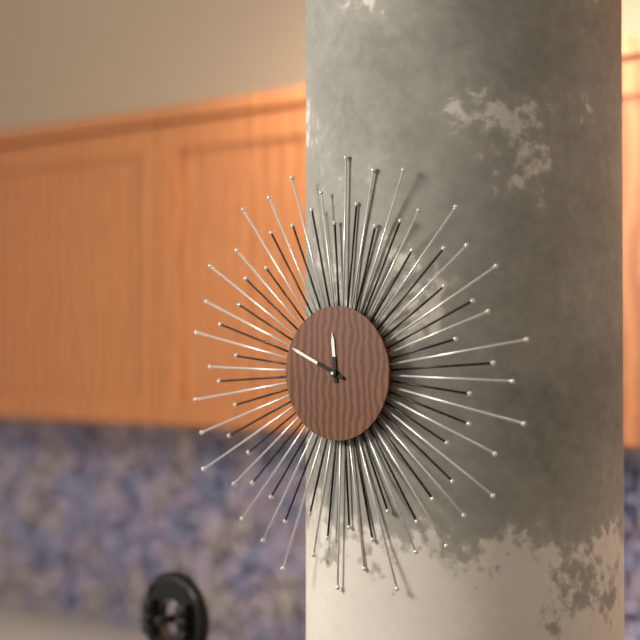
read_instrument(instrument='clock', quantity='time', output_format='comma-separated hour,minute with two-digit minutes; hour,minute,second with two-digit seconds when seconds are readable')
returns 11,49
